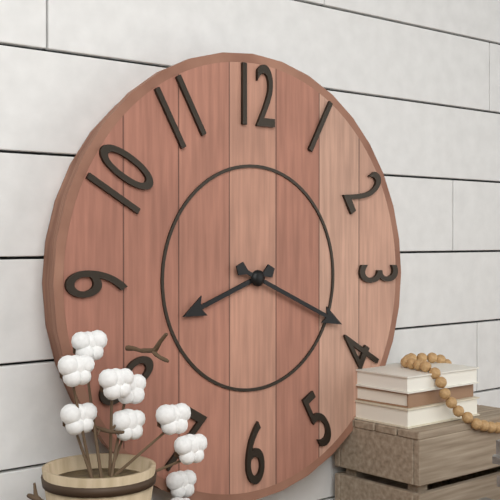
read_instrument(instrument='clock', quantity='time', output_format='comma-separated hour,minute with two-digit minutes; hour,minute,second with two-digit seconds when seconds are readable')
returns 8,19
